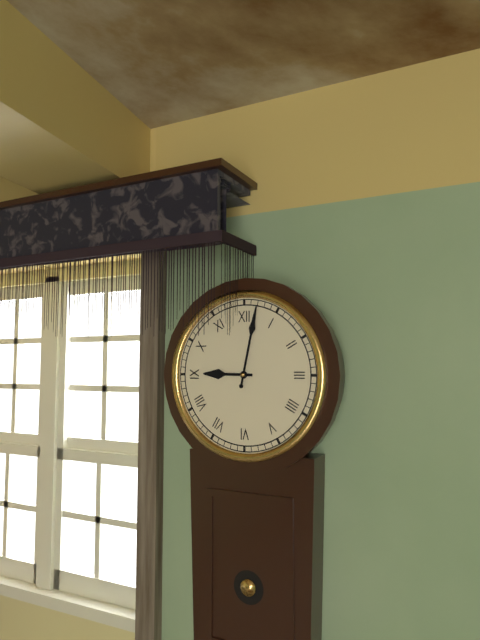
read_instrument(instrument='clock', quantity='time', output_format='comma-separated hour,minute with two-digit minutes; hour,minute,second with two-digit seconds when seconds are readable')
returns 9,02
